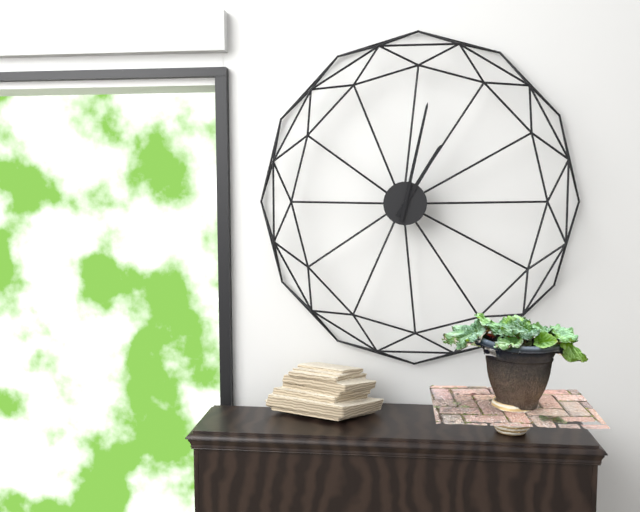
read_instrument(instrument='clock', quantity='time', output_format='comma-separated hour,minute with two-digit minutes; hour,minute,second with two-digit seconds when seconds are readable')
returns 1,02
